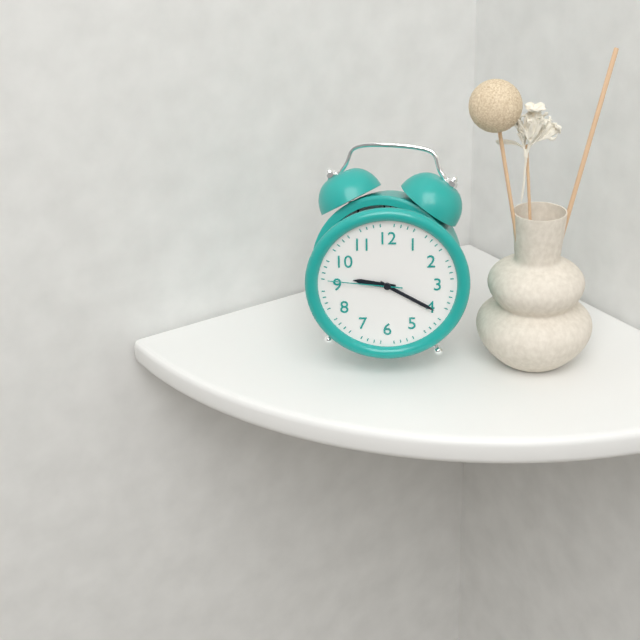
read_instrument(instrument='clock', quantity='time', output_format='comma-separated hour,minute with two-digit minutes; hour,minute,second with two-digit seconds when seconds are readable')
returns 9,20,46
